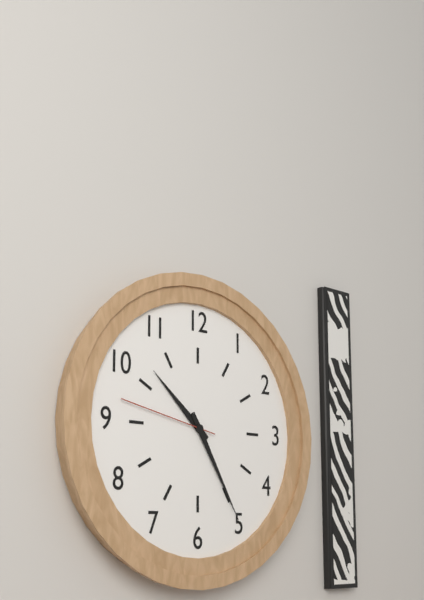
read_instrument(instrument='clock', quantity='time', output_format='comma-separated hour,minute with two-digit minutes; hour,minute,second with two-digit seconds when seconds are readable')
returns 10,25,47
